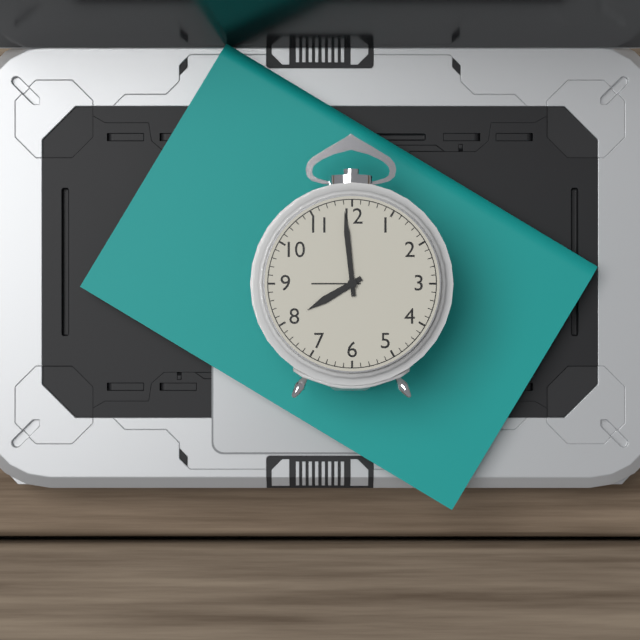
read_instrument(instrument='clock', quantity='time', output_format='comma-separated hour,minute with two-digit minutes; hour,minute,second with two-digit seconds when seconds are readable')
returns 7,59
